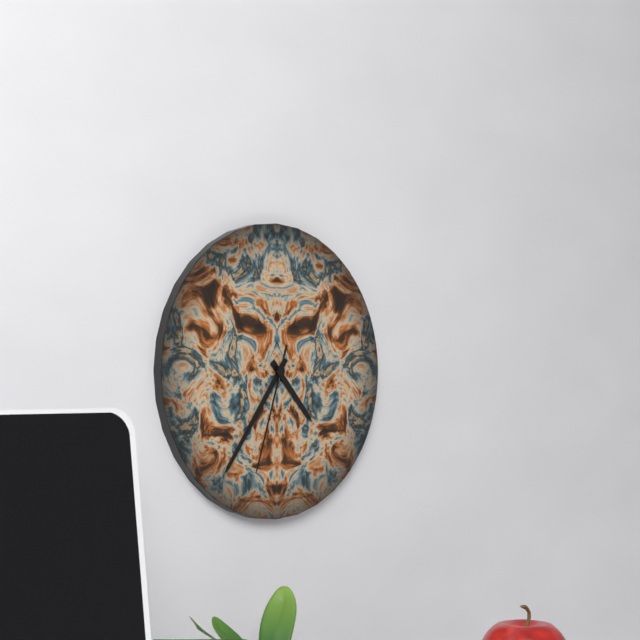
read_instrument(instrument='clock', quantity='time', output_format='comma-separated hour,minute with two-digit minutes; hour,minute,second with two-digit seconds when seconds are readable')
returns 4,36,33
